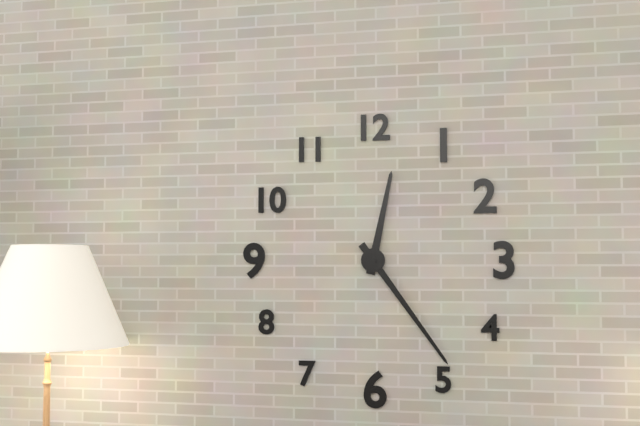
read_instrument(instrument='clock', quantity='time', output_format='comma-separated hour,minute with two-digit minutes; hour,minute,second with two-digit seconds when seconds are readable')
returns 12,24
